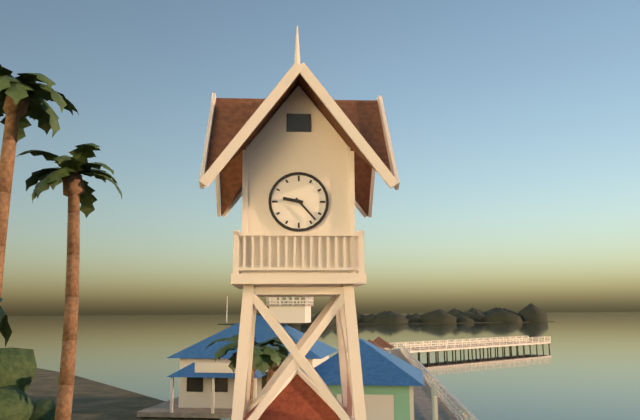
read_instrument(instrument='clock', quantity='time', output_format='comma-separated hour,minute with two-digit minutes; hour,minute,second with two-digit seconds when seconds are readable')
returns 9,23
